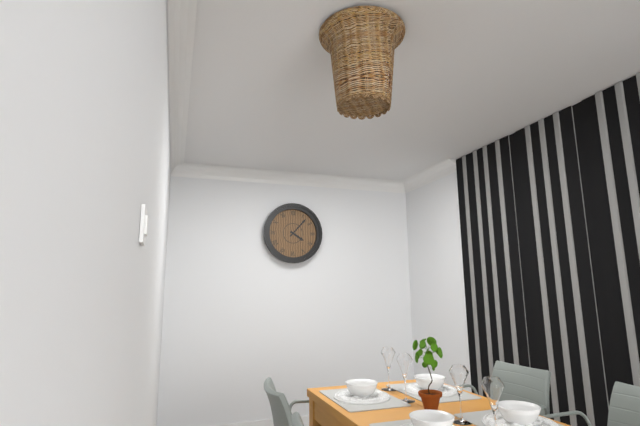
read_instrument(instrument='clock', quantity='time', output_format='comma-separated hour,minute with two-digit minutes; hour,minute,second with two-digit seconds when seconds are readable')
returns 4,07
